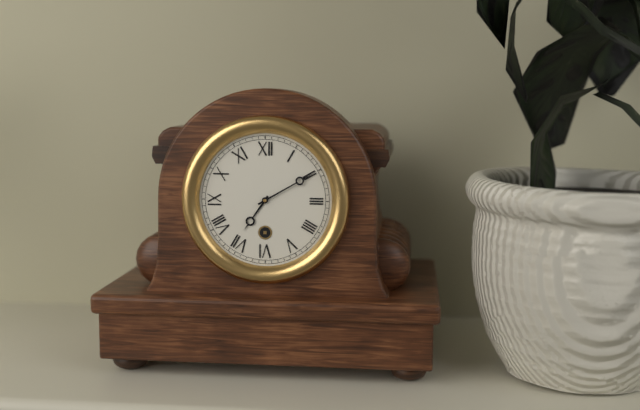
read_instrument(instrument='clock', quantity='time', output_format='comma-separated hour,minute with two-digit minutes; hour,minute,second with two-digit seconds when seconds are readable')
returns 7,10
